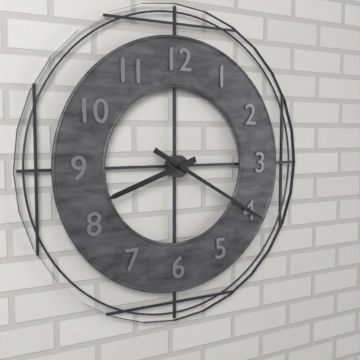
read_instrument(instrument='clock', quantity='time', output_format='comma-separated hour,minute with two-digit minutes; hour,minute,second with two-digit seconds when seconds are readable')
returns 8,20
